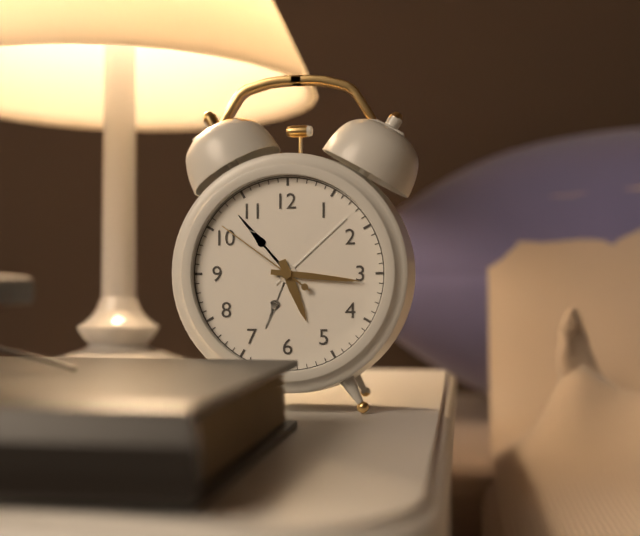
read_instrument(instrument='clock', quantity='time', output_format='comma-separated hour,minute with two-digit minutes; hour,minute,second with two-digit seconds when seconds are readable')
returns 5,16,51
